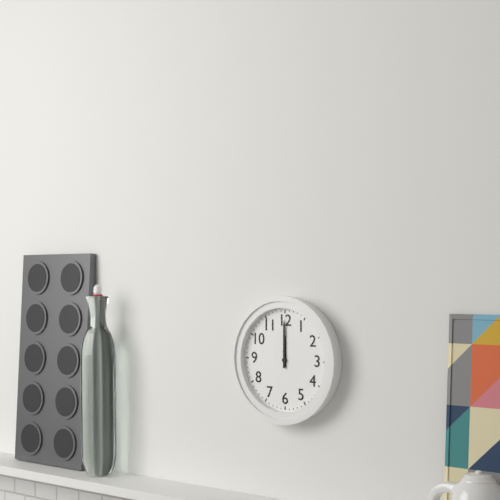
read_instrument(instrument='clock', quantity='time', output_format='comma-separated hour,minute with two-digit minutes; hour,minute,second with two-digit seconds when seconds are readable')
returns 12,00
